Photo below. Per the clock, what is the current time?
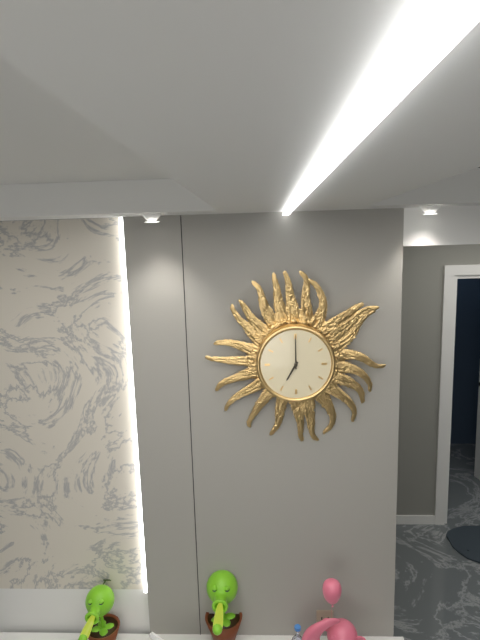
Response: 7:00
